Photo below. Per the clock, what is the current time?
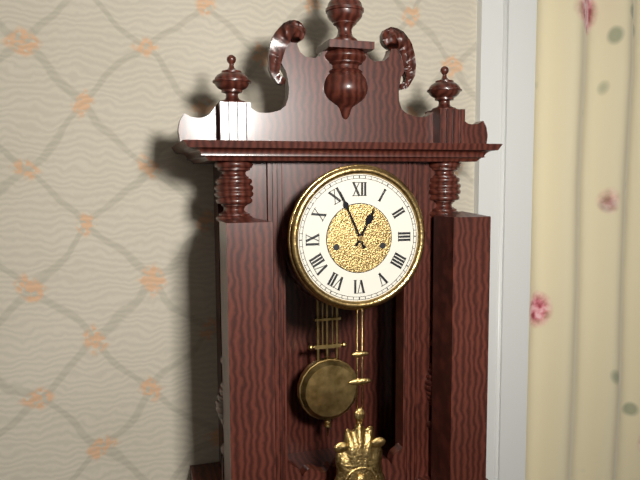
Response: 12:56
